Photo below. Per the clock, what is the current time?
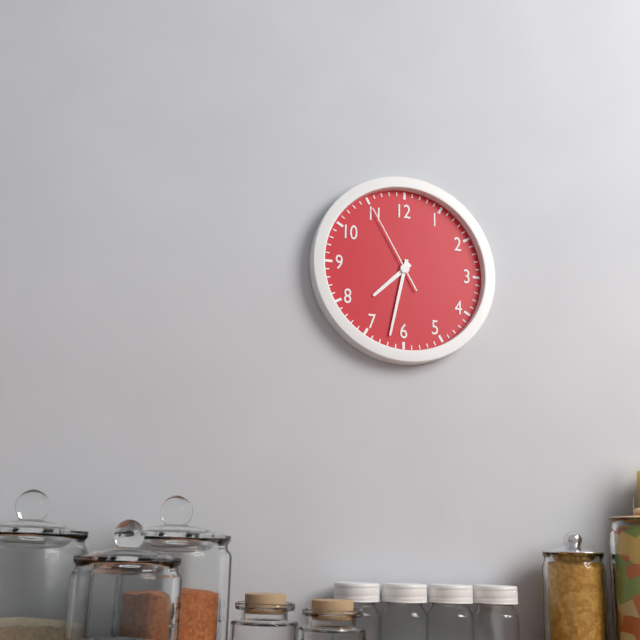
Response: 7:32:55
